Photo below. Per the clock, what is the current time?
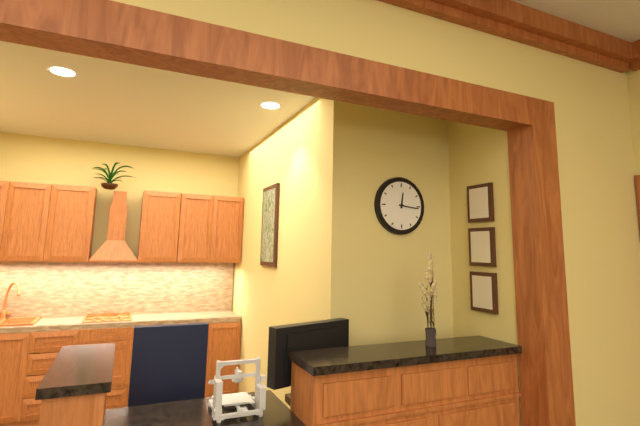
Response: 12:16
